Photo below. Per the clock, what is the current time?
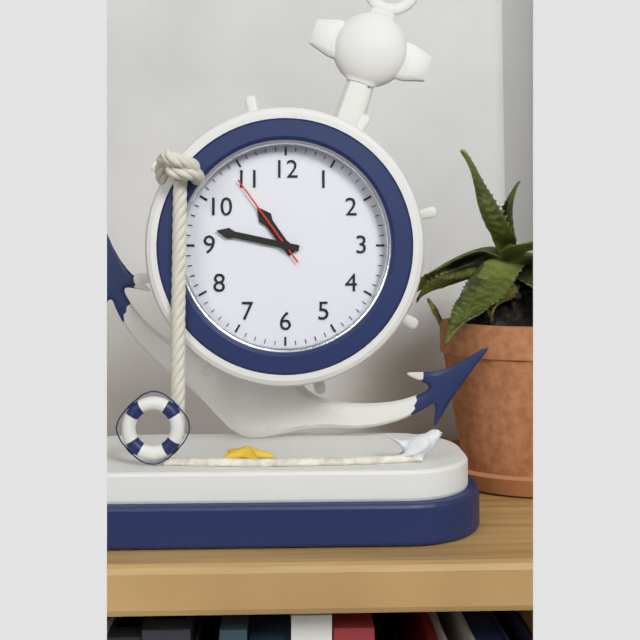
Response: 10:47:54
